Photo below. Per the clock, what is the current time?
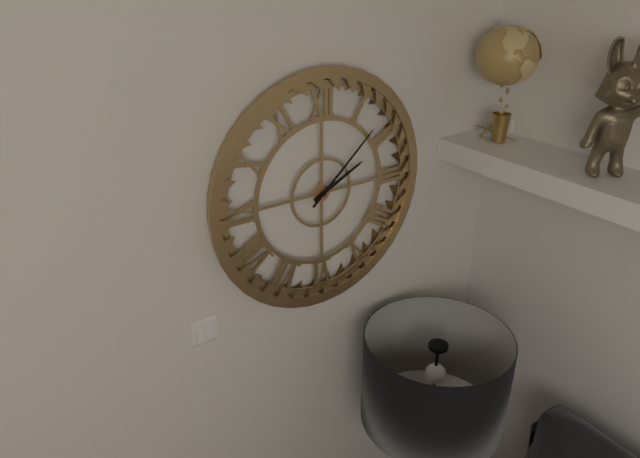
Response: 2:08
